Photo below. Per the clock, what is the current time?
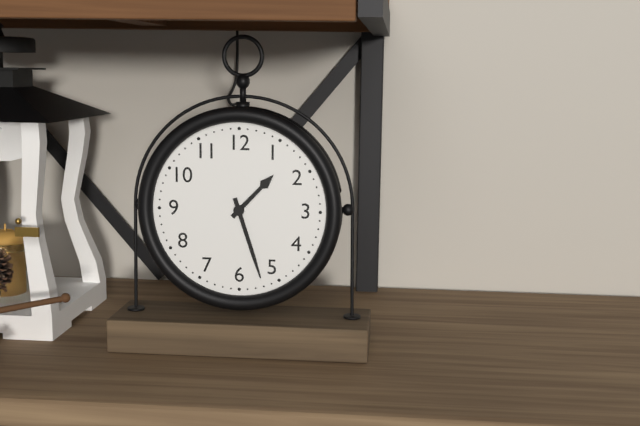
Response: 1:27
